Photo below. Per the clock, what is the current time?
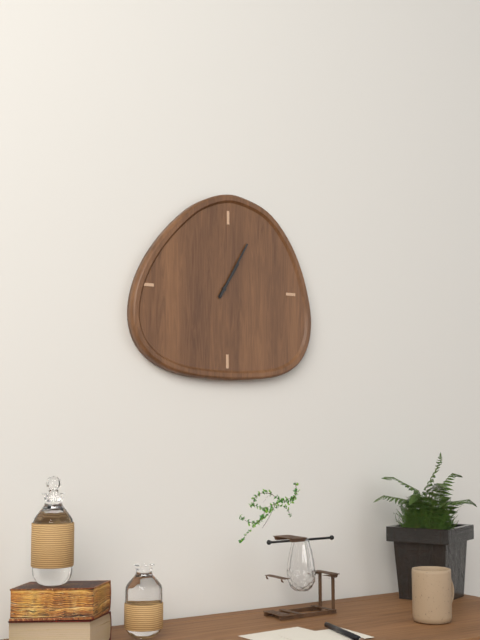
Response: 1:05
